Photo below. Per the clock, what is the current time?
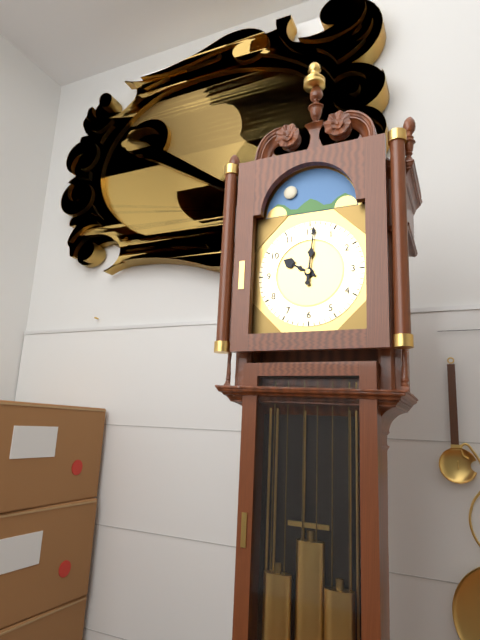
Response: 10:01
